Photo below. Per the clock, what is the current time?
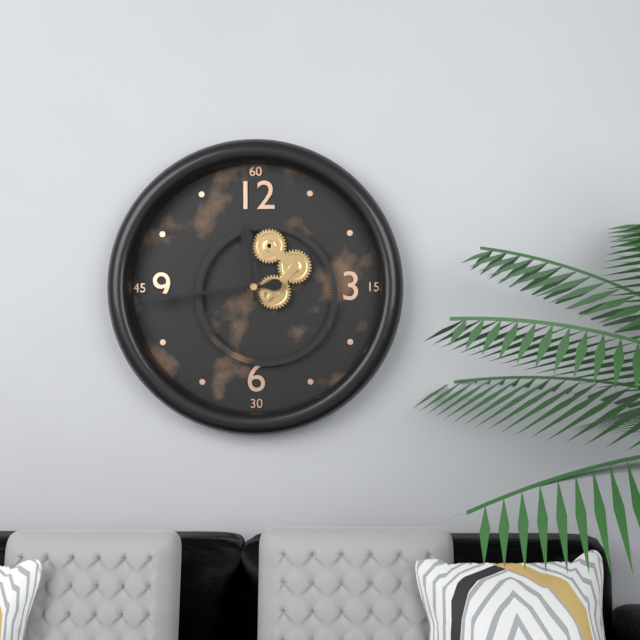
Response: 11:44
